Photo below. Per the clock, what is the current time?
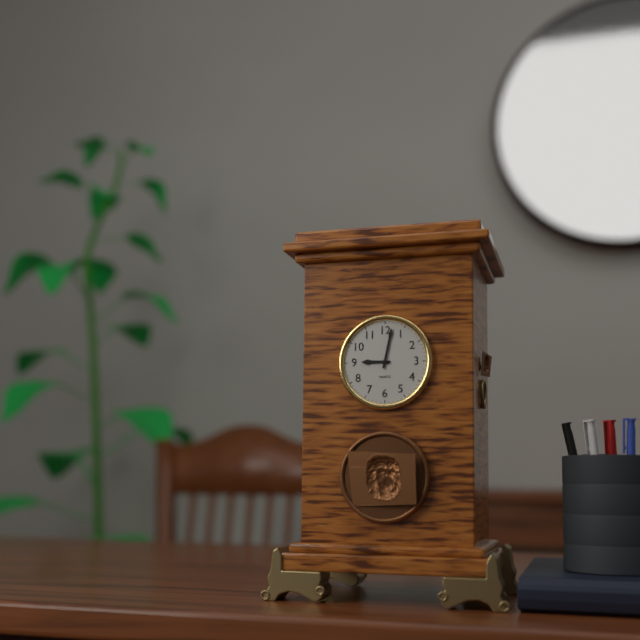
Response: 9:02
